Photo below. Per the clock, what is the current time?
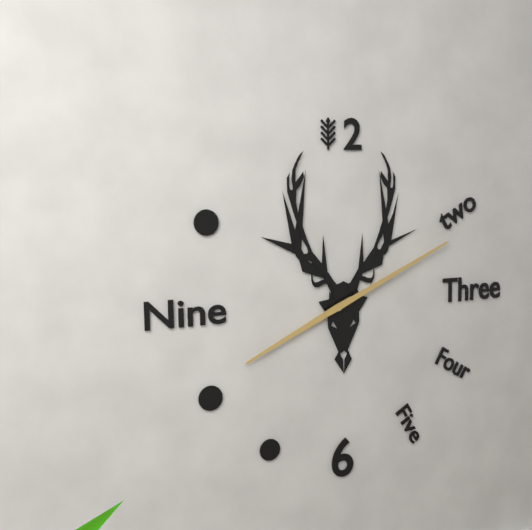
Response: 8:11
